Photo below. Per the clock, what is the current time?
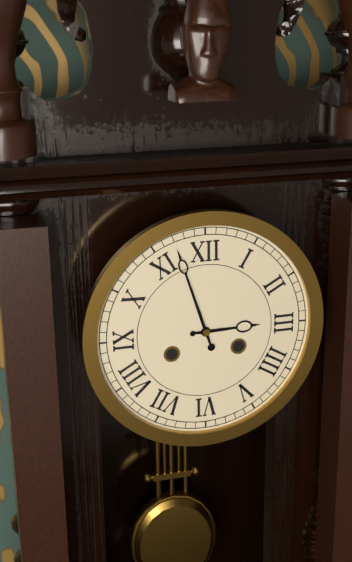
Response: 2:57
